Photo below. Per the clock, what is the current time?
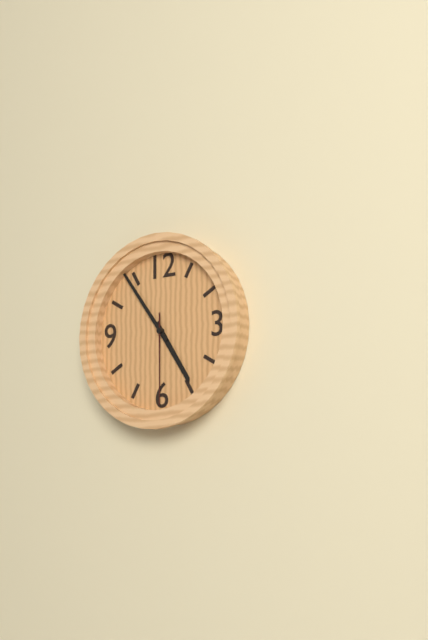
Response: 4:54:30
